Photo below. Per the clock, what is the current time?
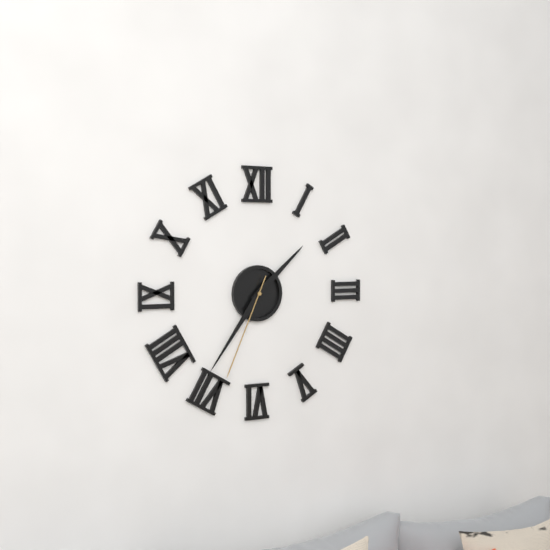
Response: 1:36:34
